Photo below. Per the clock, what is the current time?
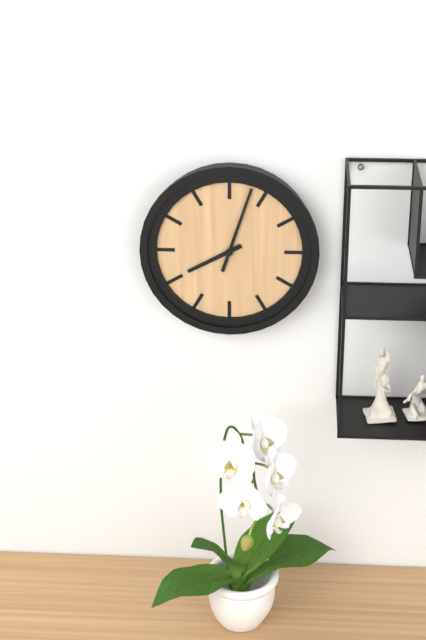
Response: 8:03
